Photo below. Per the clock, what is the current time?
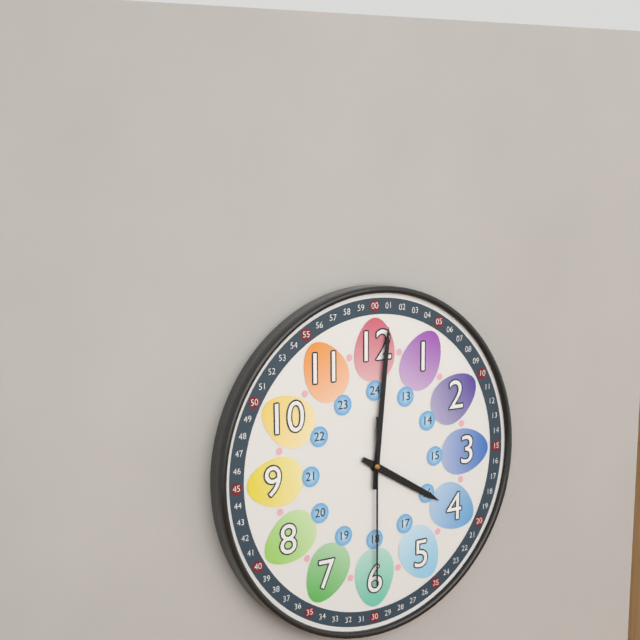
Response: 4:01:30
